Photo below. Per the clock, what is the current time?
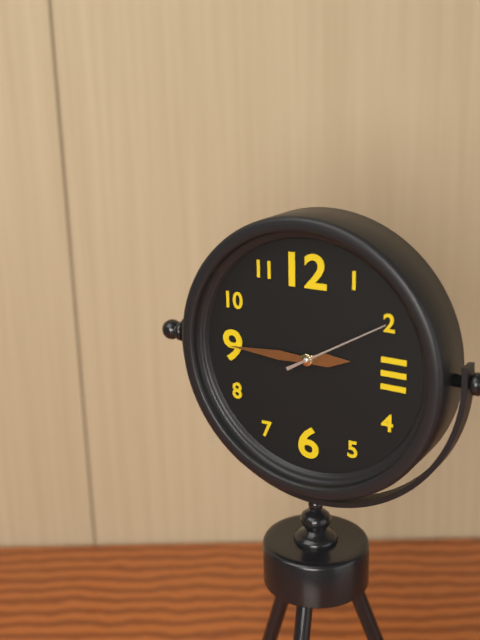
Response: 2:45:10
